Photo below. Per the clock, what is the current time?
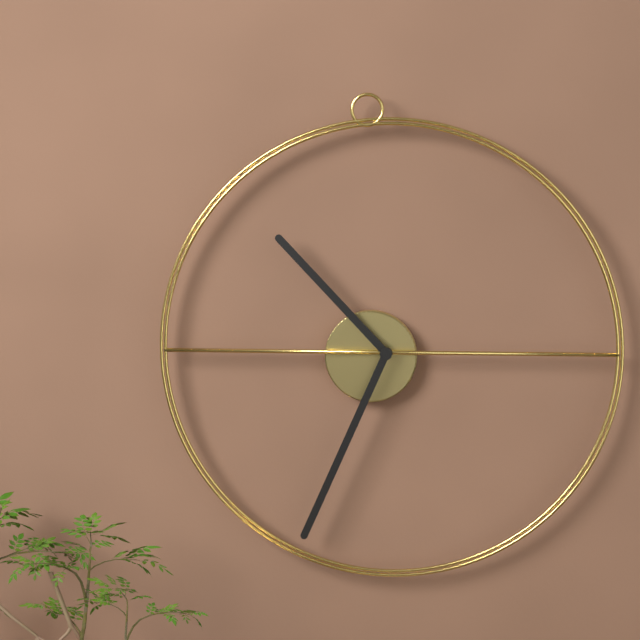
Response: 10:34
